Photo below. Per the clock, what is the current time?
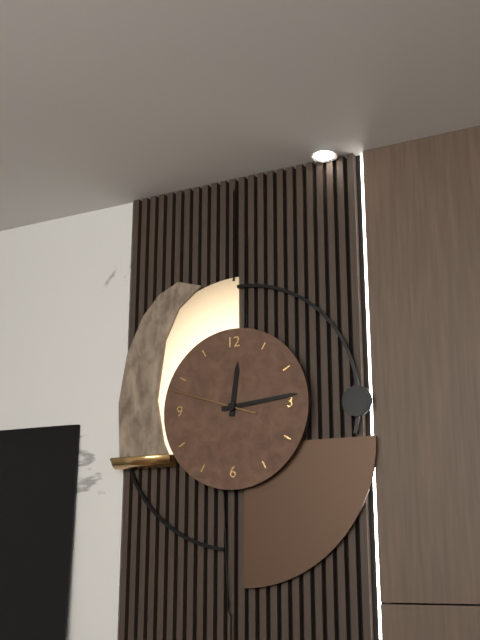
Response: 12:14:48
